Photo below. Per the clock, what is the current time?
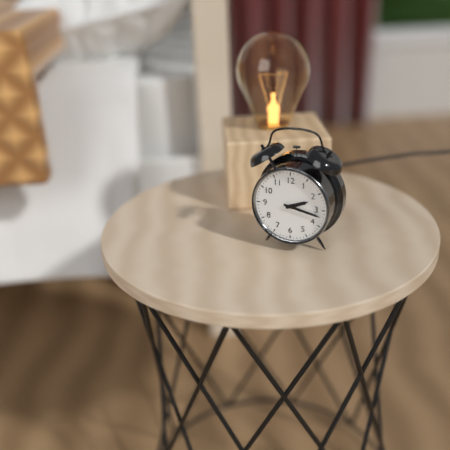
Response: 2:17
